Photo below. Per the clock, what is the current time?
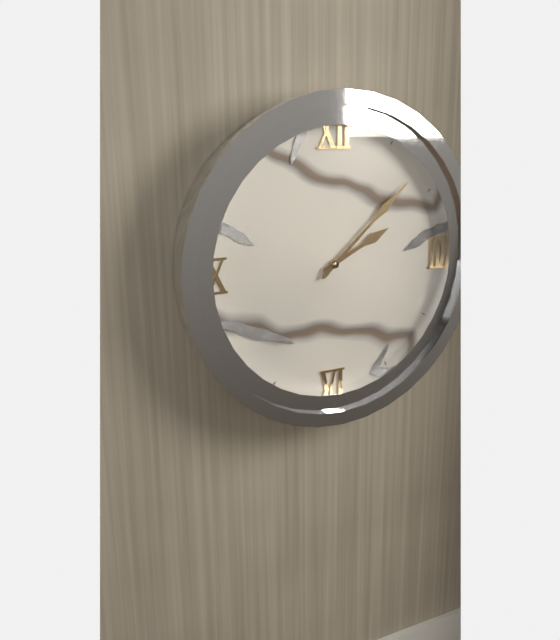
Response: 2:08
